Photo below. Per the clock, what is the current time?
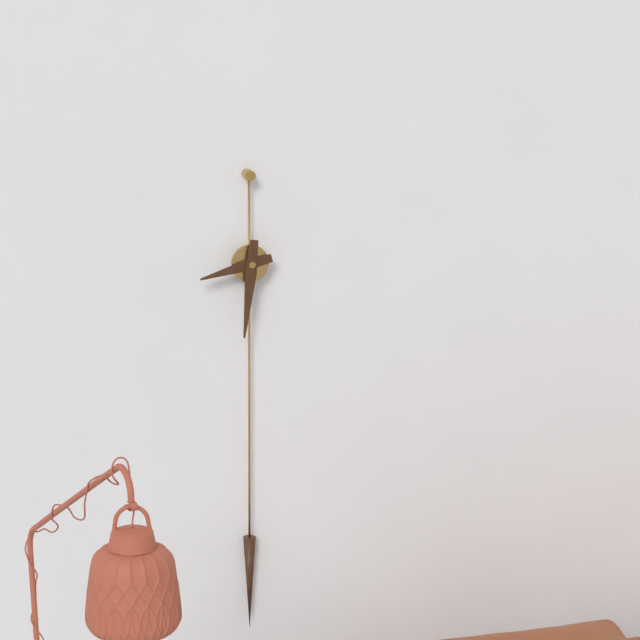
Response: 8:31
